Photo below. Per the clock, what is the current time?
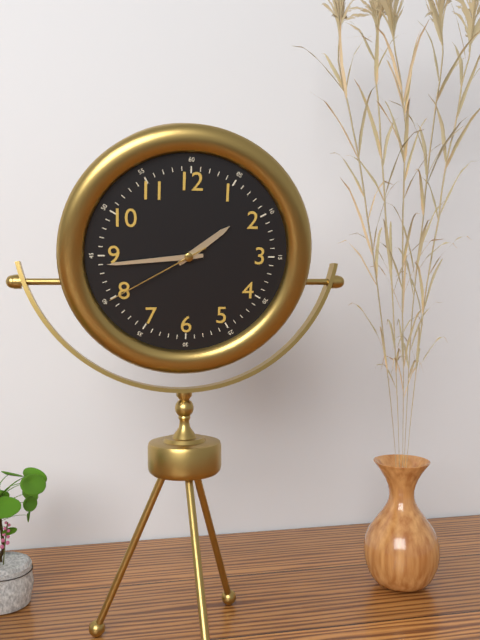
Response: 1:44:40
